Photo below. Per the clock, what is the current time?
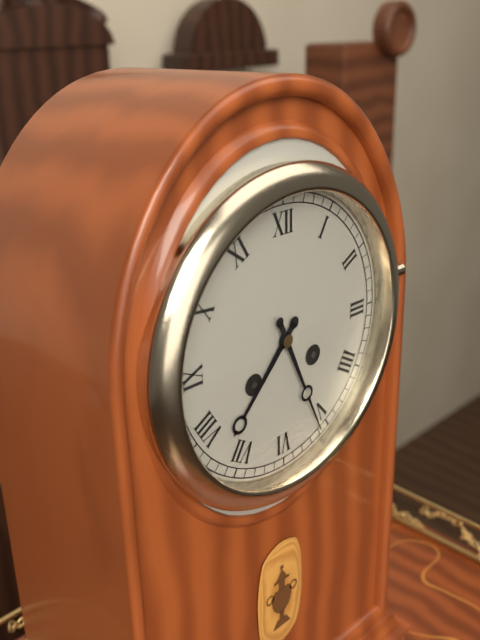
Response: 7:26
